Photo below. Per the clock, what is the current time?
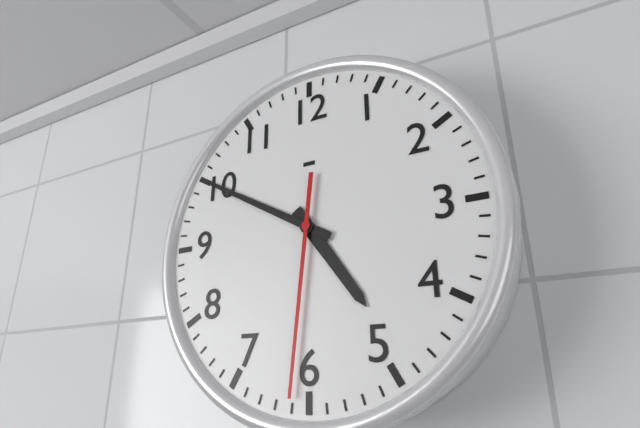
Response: 4:50:31
